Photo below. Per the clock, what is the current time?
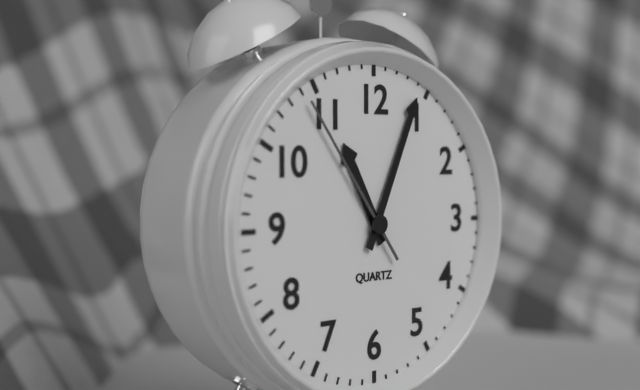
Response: 11:04:54
